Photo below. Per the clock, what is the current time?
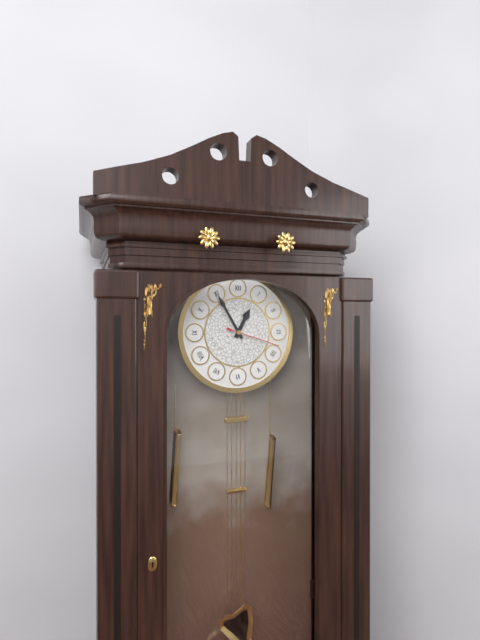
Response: 12:55:18
